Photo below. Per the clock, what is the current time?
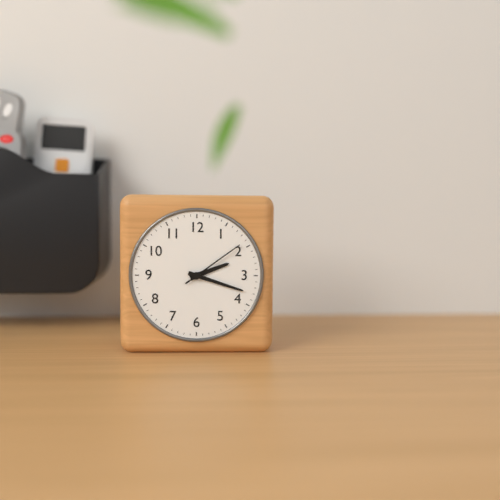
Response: 2:18:09
